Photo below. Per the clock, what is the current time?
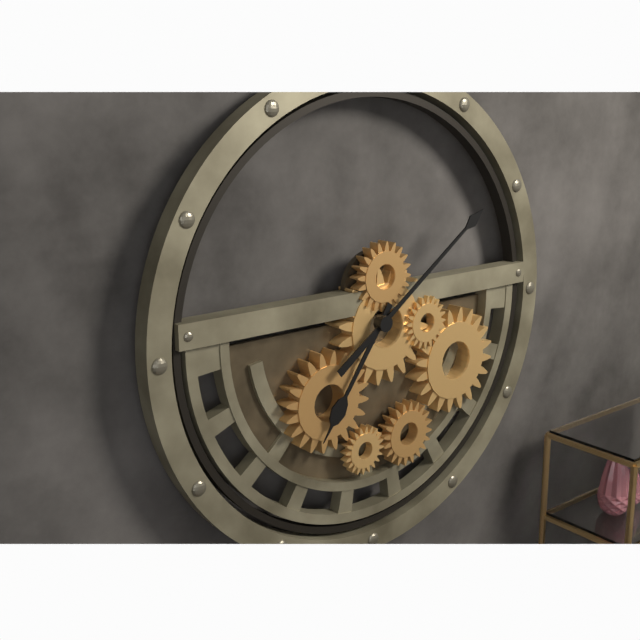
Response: 7:09
